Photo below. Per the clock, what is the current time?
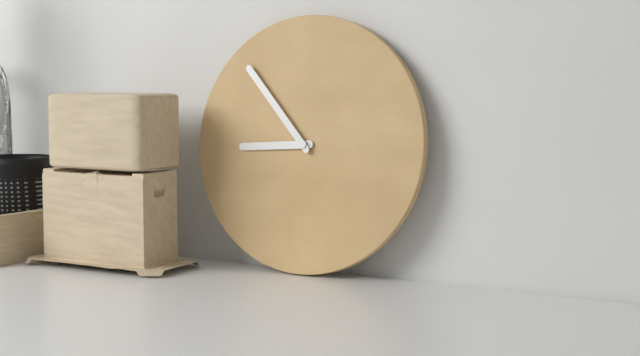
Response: 8:53
